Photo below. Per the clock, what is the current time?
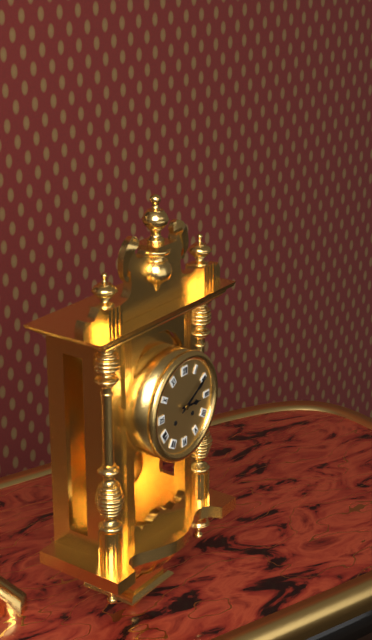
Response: 3:10
